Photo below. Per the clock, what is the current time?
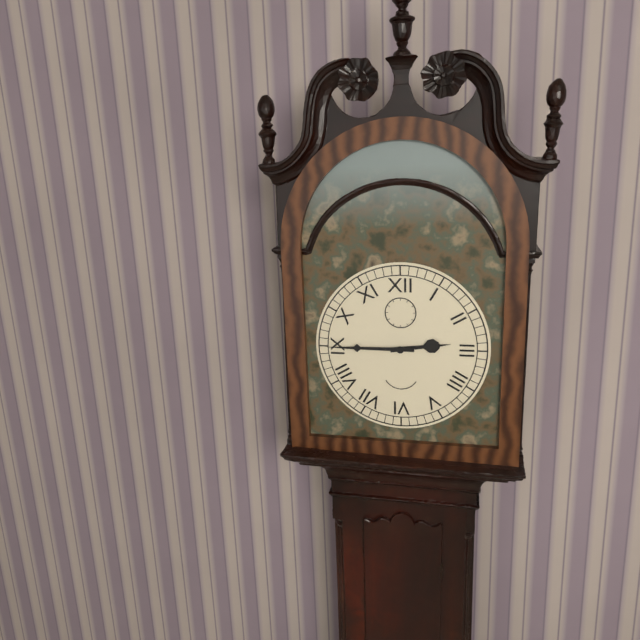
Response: 2:45
